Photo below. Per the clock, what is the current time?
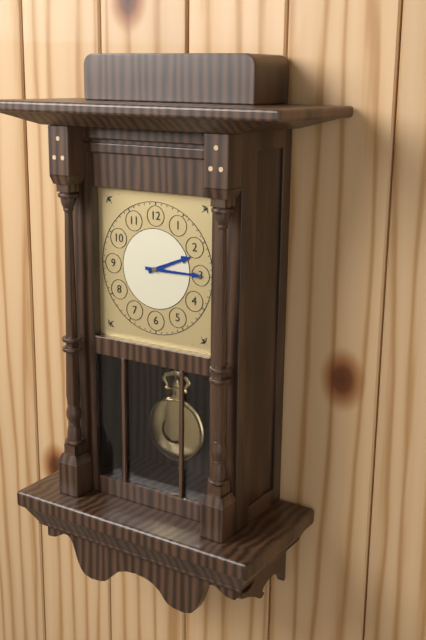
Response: 2:15
